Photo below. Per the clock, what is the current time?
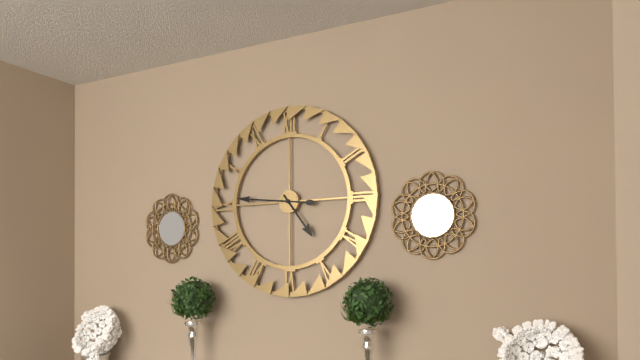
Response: 4:46
